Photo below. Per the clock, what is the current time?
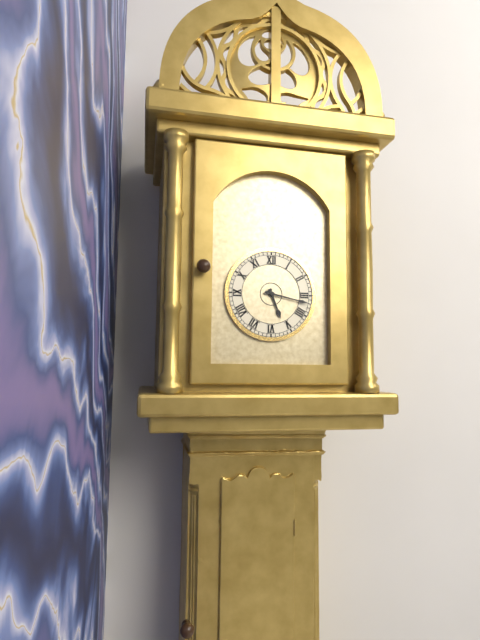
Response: 5:17
